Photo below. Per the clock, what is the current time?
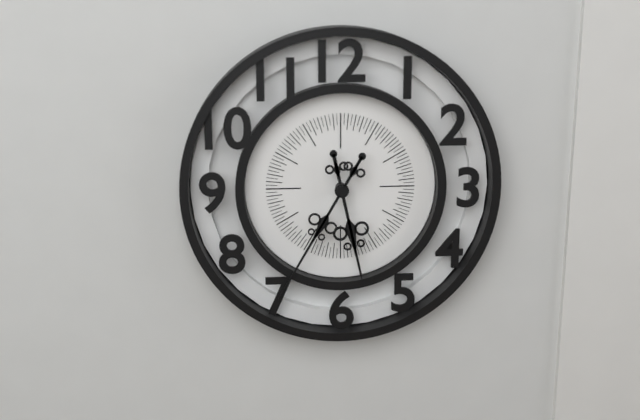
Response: 5:35
